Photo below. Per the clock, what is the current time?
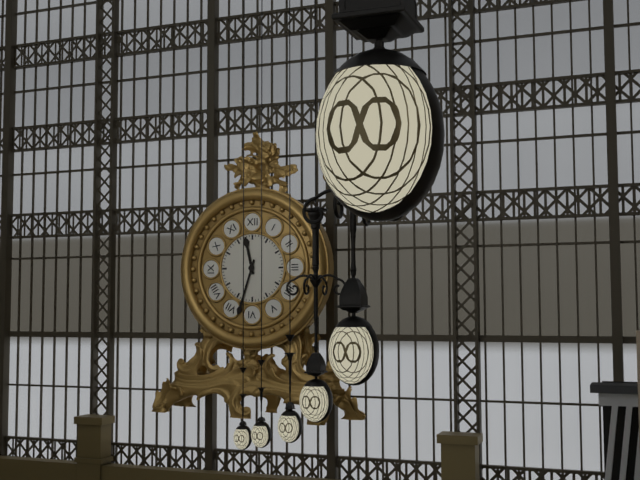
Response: 11:33
